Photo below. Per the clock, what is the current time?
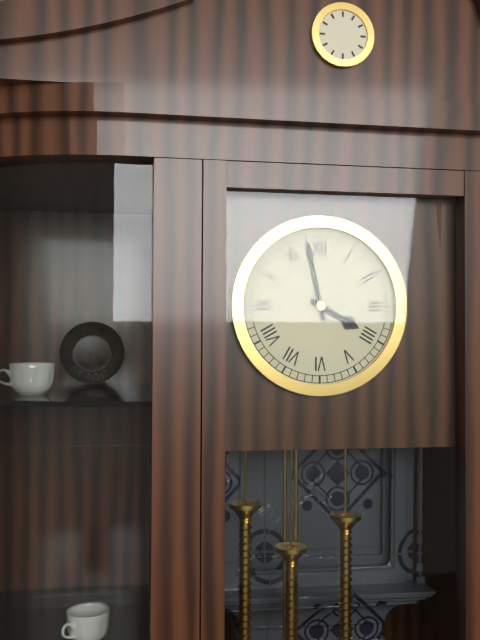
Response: 3:58
